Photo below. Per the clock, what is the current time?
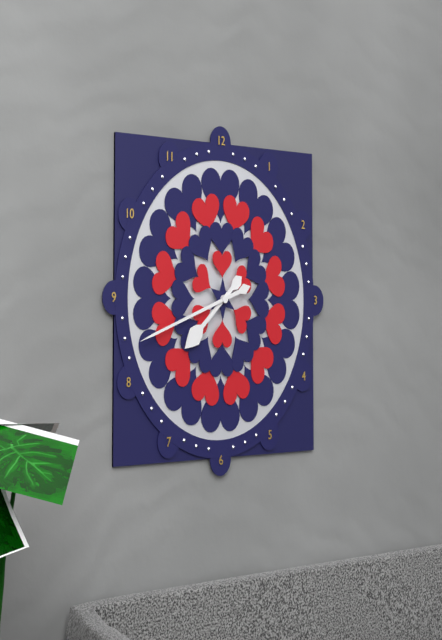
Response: 7:42
